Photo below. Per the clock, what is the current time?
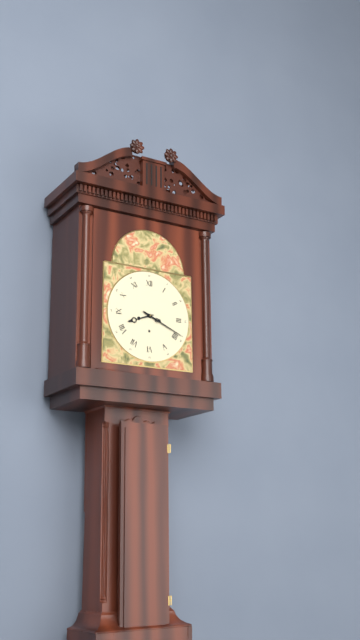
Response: 8:19
